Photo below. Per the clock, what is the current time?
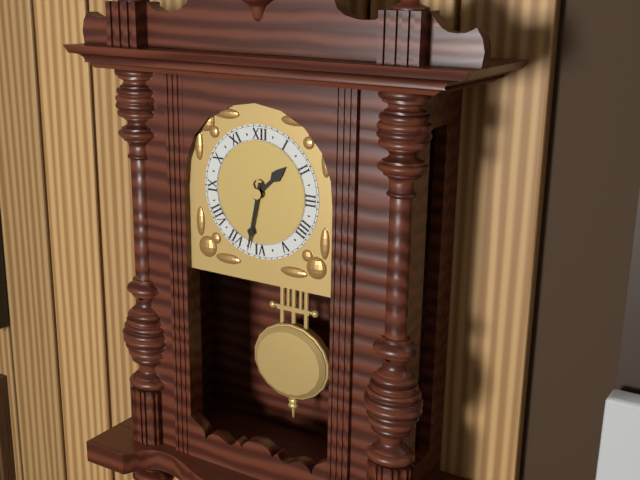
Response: 1:32
